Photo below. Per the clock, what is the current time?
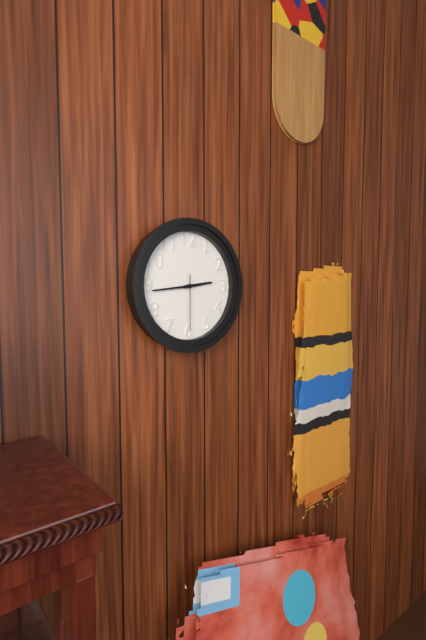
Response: 2:44:30
